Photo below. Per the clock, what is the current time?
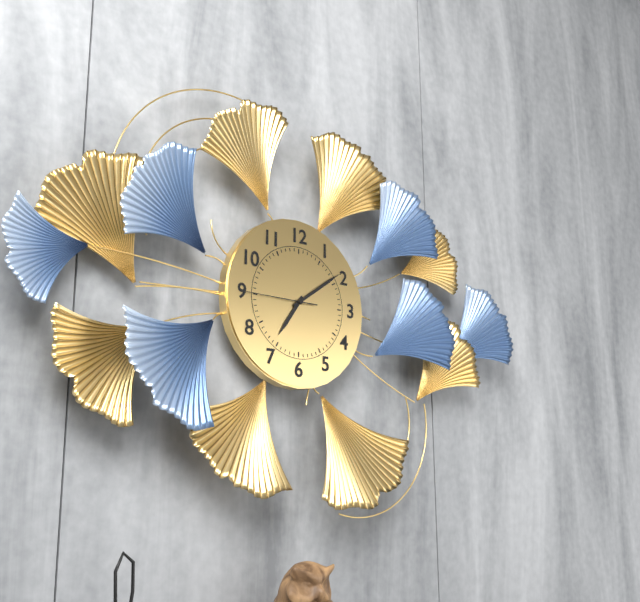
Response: 7:09:45
